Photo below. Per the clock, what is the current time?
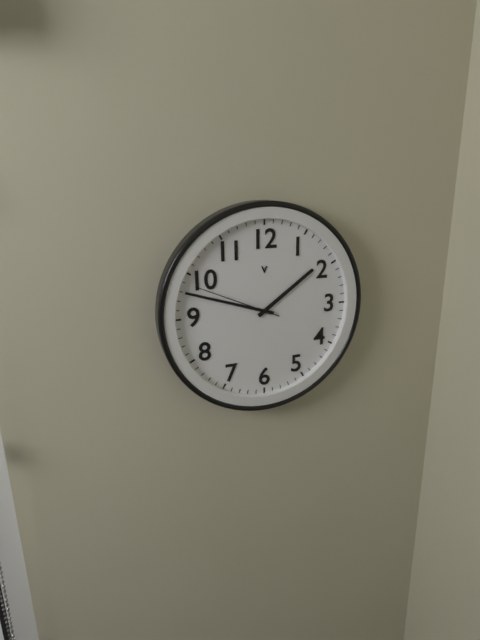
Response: 1:48:49
